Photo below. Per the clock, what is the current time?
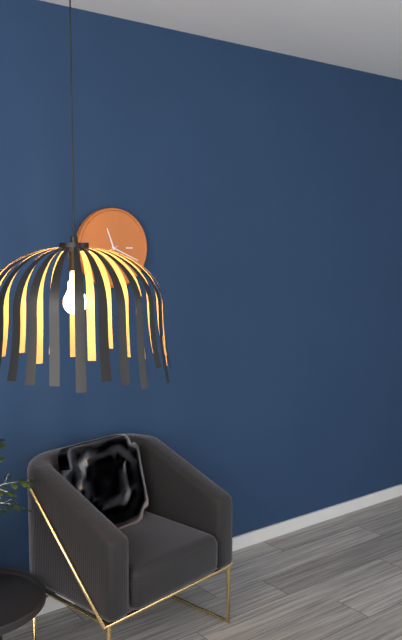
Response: 11:19
